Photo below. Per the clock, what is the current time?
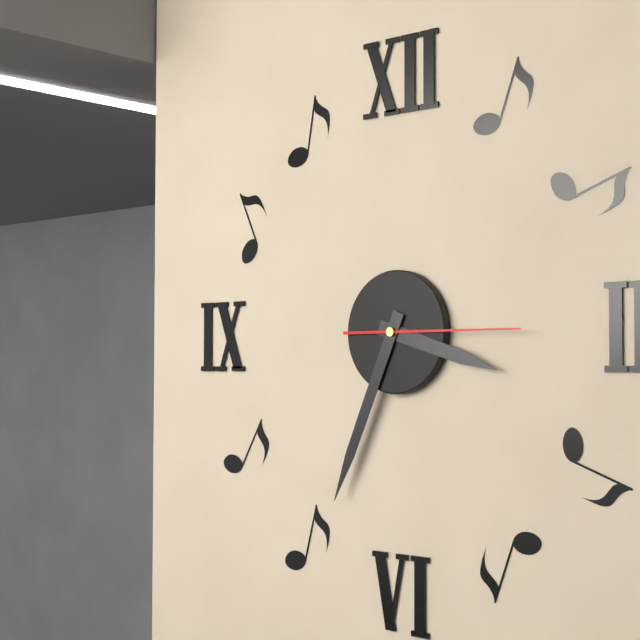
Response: 3:34:15
